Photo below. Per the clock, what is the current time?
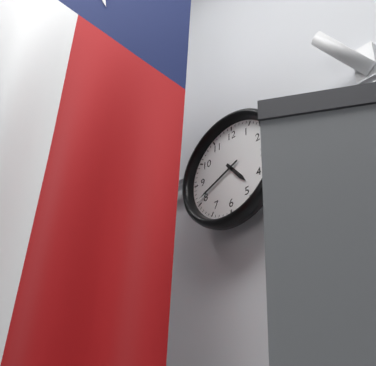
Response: 4:41
